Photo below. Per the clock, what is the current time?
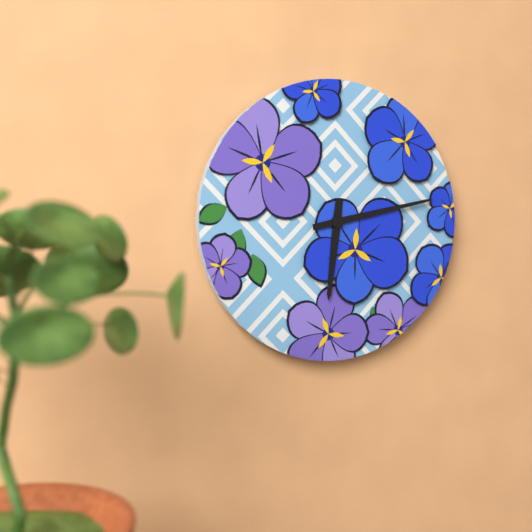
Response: 6:13
